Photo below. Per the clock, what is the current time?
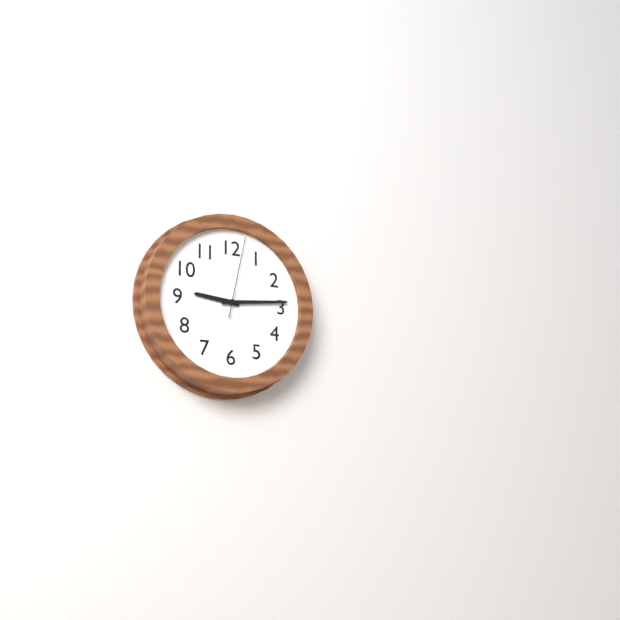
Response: 9:14:02
